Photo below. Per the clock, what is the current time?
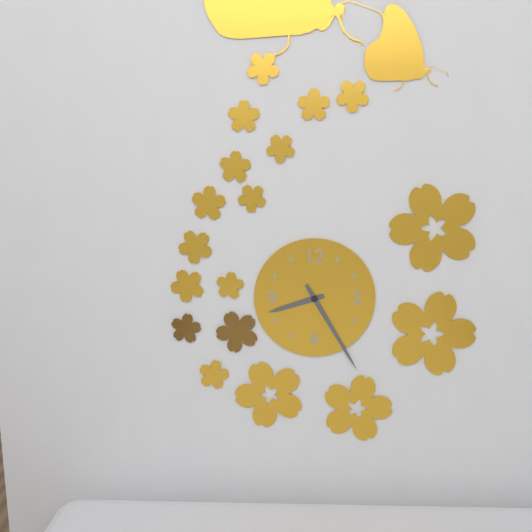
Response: 8:25
